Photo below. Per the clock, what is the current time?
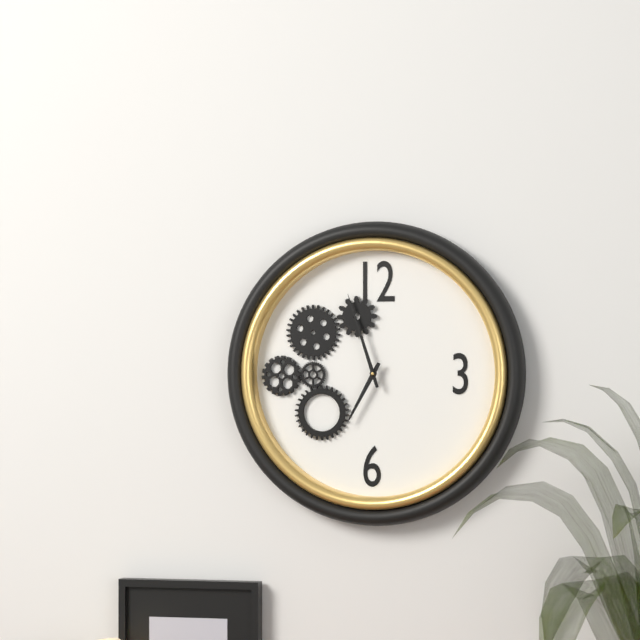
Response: 6:57
